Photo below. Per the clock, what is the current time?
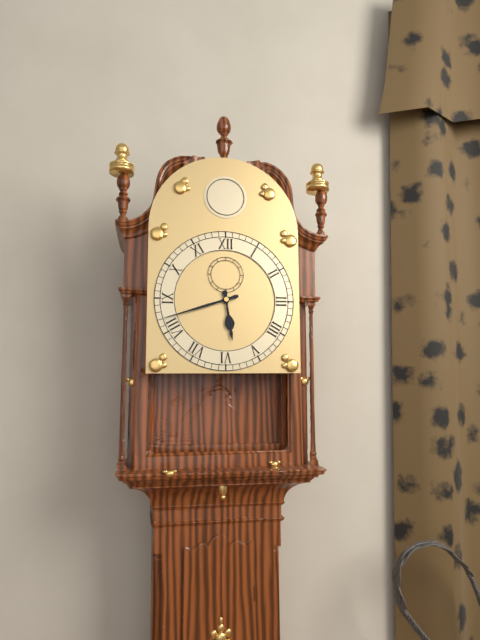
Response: 5:42
